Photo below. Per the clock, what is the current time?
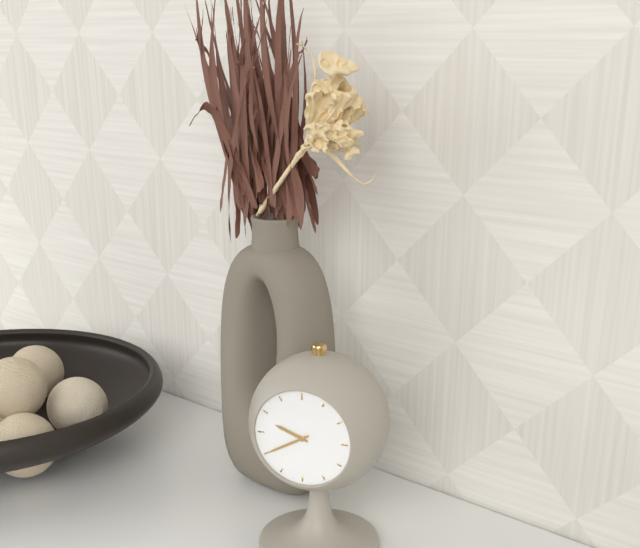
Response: 9:40
